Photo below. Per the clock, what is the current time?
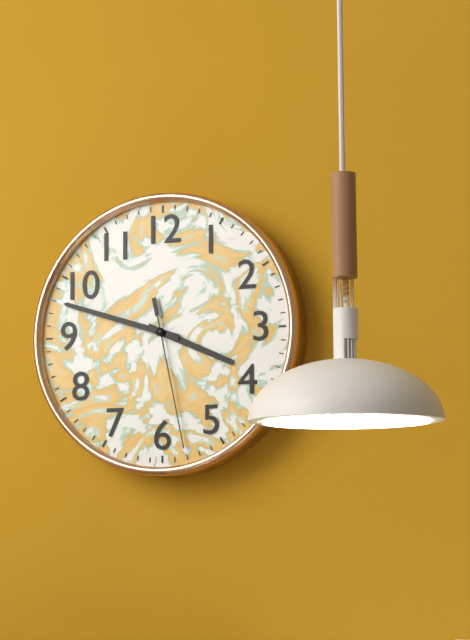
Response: 3:48:28
